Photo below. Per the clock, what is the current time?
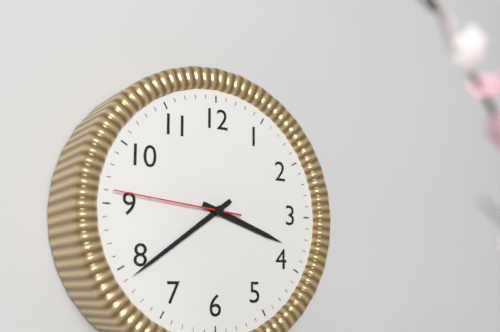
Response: 3:39:46
